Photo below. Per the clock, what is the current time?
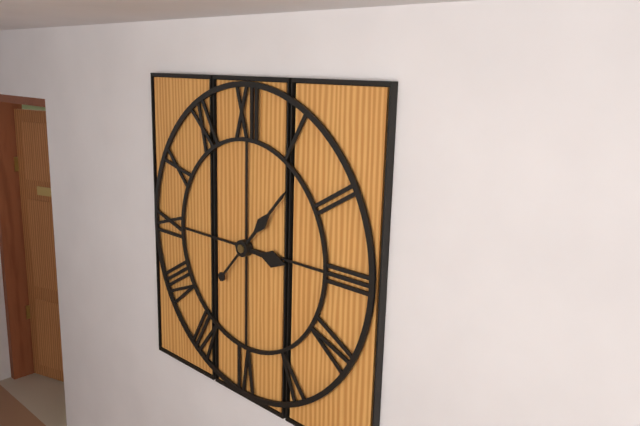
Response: 3:07
